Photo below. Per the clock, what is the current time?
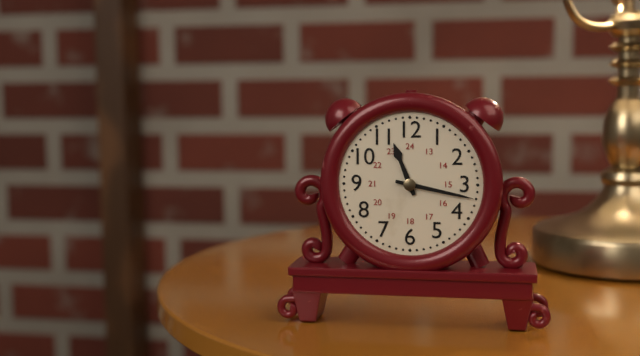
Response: 11:17
